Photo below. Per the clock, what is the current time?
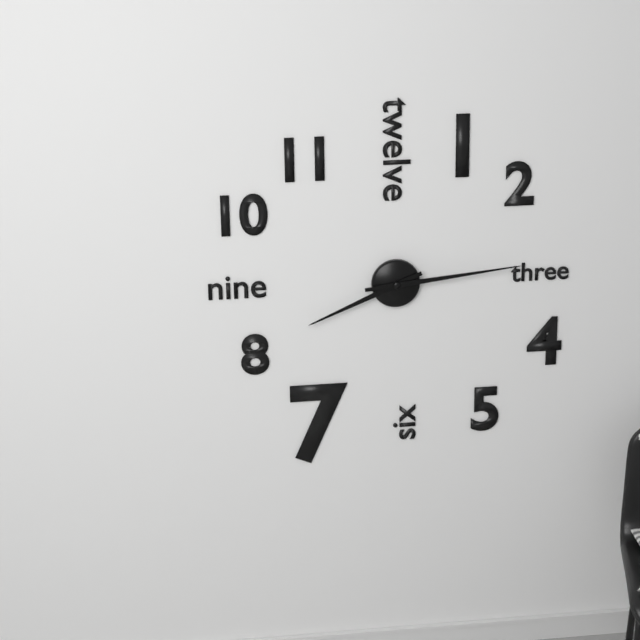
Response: 8:14
